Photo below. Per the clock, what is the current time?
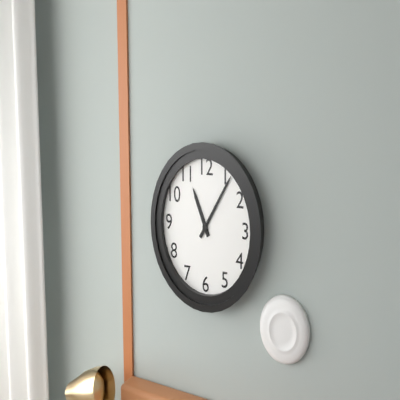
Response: 11:06
